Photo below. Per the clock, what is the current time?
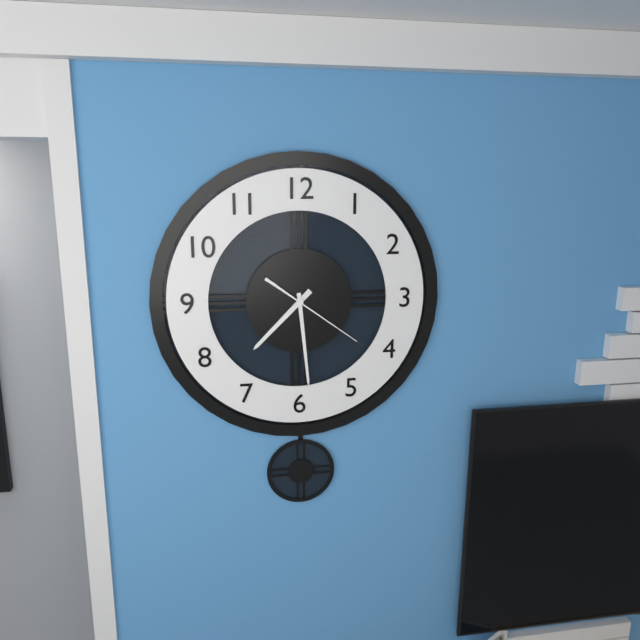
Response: 7:29:21
